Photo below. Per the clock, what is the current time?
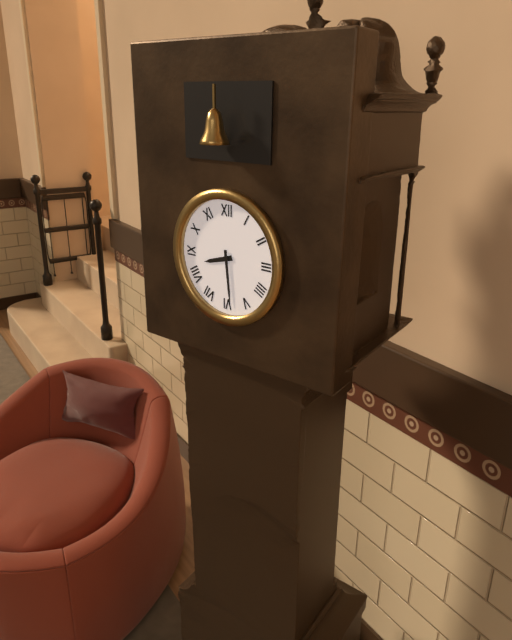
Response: 8:29
